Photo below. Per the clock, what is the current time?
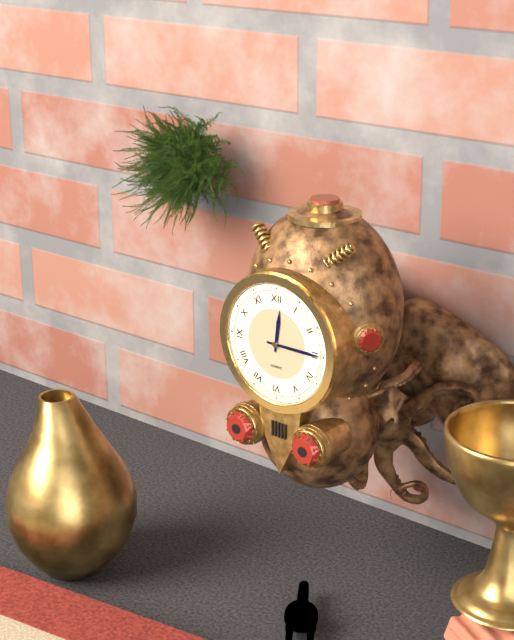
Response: 12:15
